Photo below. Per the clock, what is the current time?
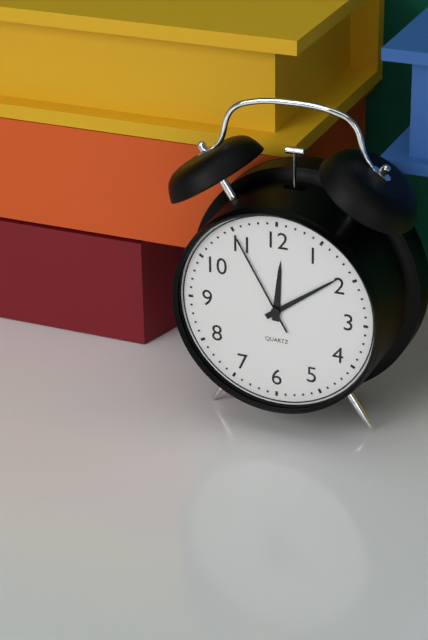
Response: 12:09:55
